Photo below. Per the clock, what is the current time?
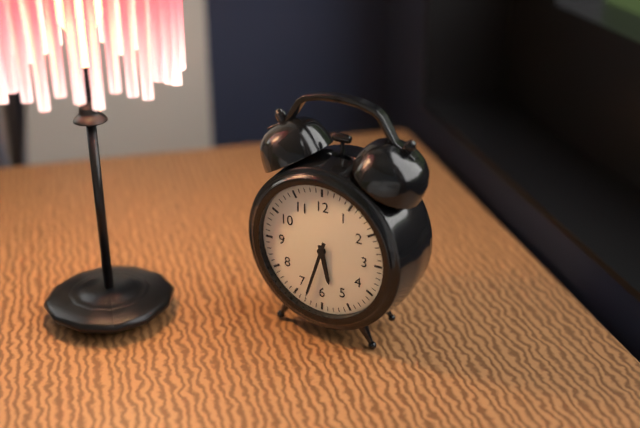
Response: 5:33
